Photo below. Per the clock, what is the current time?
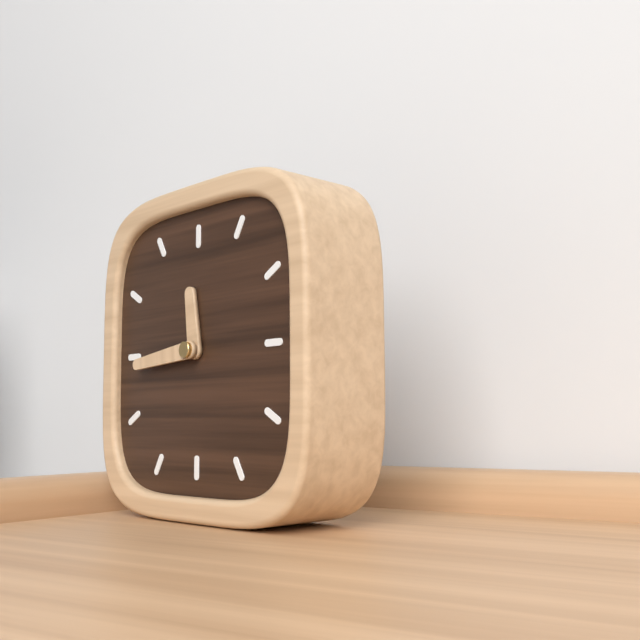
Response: 11:44
